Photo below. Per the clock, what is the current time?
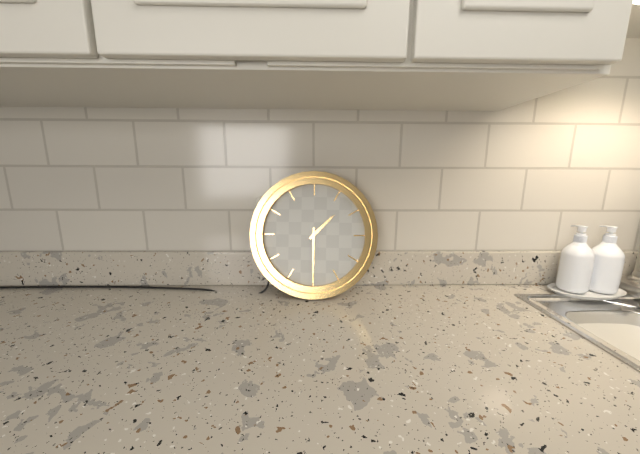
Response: 1:30
